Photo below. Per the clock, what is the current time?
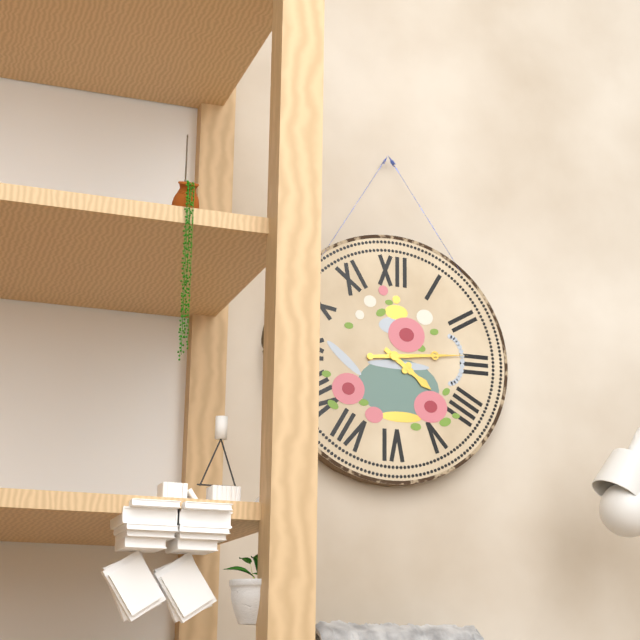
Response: 4:14
